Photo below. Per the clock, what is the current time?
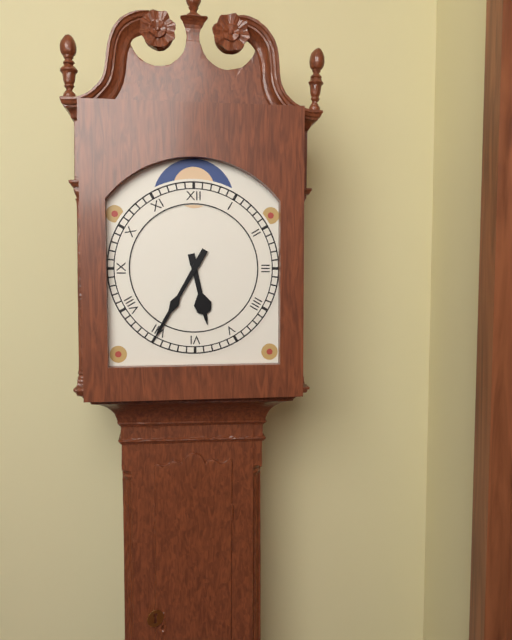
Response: 5:35
